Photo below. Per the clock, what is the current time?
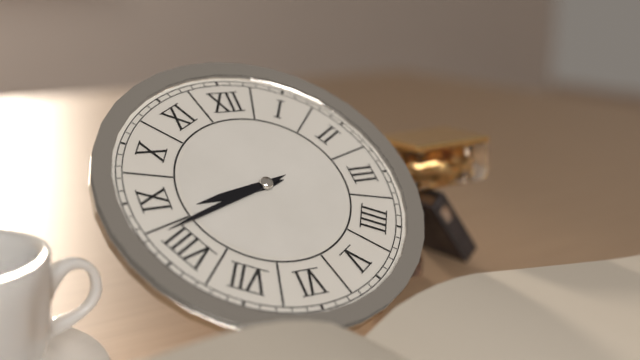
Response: 8:42
